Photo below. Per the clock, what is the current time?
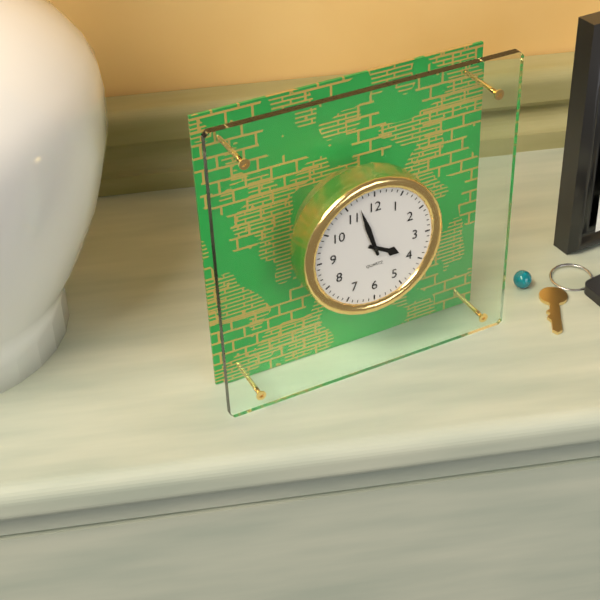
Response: 3:57
